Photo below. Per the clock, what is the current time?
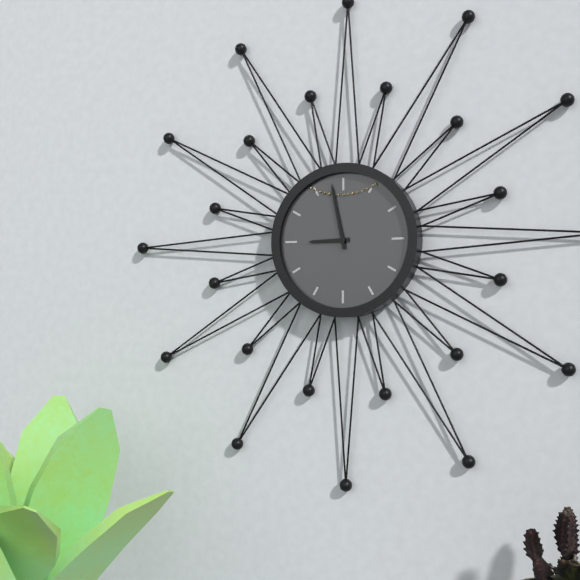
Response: 8:58
